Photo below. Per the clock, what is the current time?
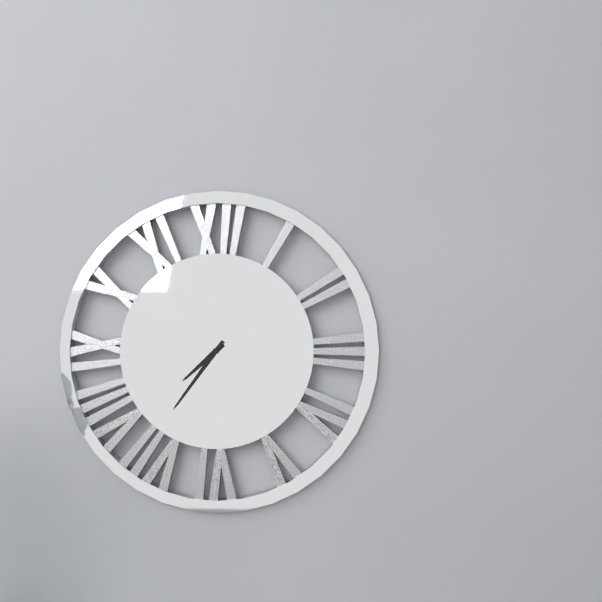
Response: 7:36
